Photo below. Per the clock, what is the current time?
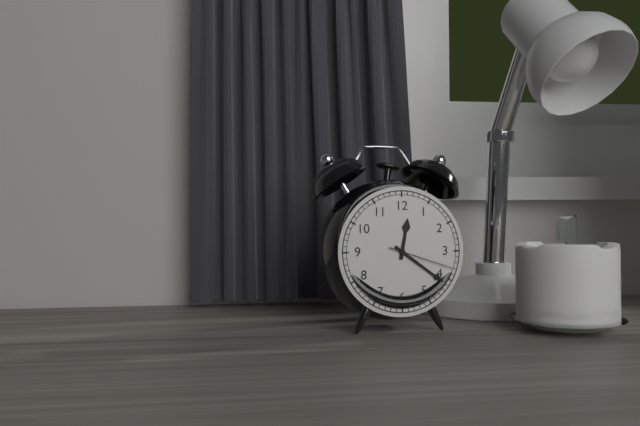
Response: 12:21:18
